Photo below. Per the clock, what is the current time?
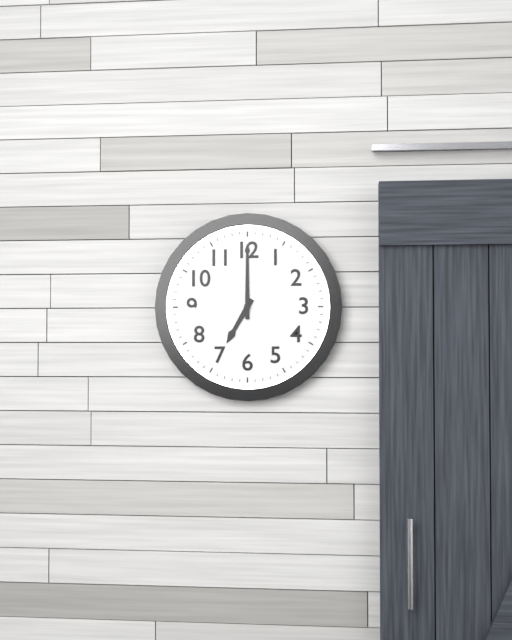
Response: 7:00
